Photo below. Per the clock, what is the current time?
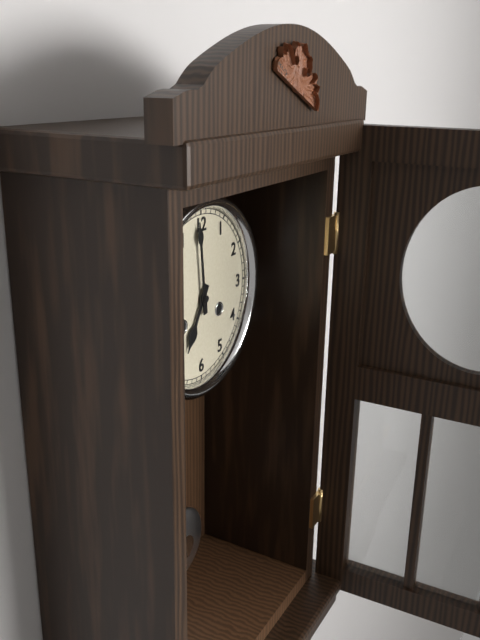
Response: 6:59
